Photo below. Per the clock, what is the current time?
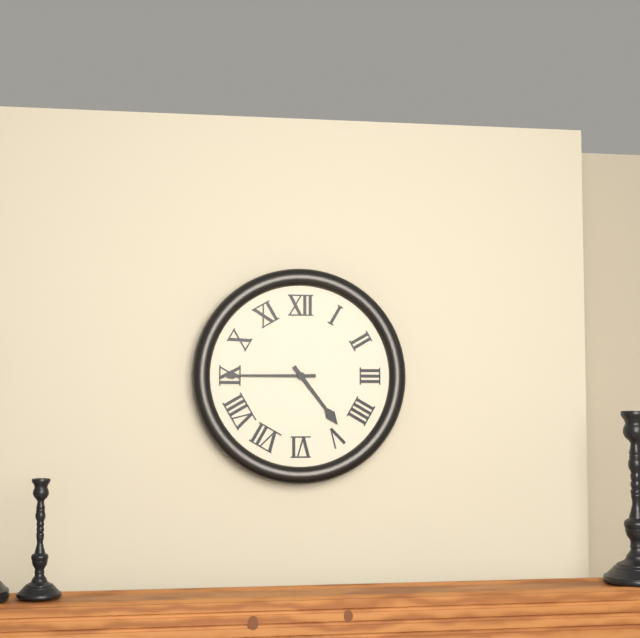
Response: 4:45
